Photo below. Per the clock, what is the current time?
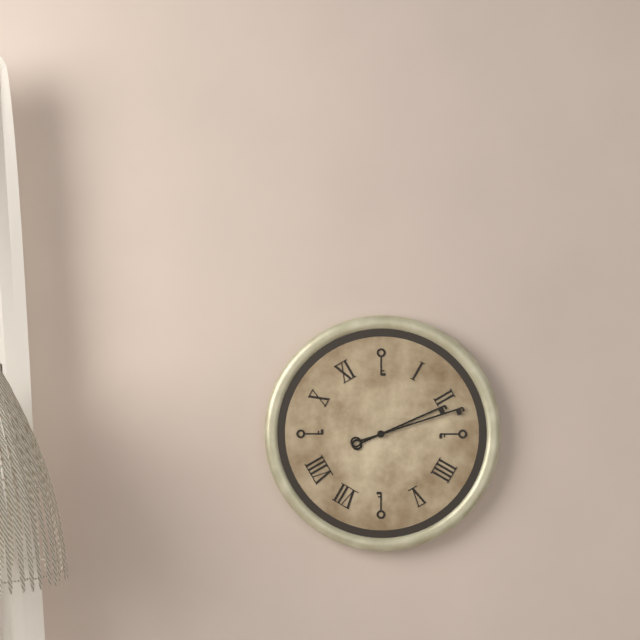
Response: 2:12
